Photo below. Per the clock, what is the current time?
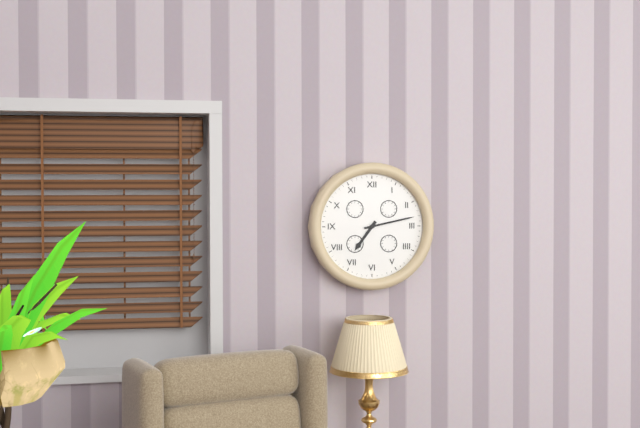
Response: 7:13
